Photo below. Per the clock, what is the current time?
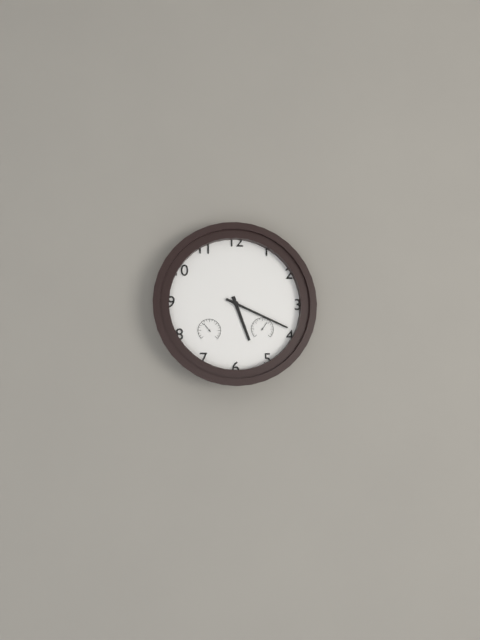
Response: 5:19
